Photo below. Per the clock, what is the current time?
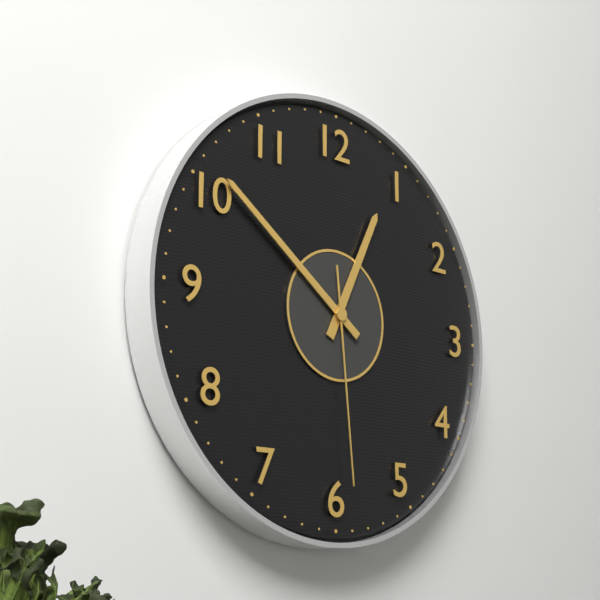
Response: 12:51:29
